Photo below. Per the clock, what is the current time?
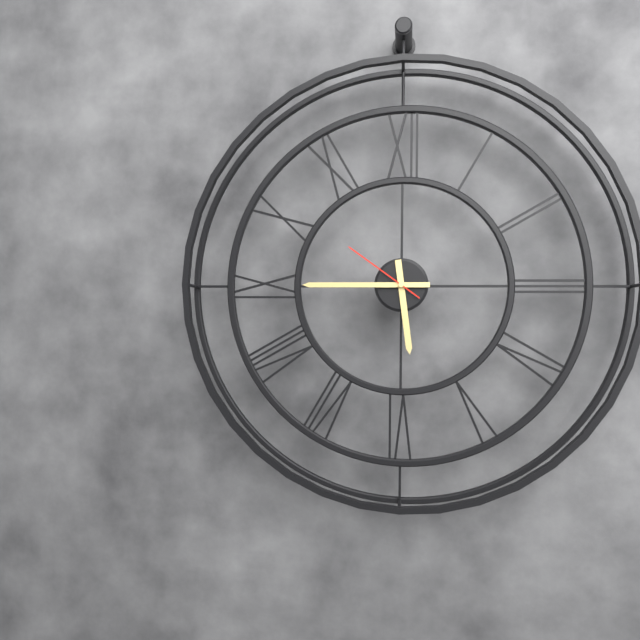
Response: 5:45:51
